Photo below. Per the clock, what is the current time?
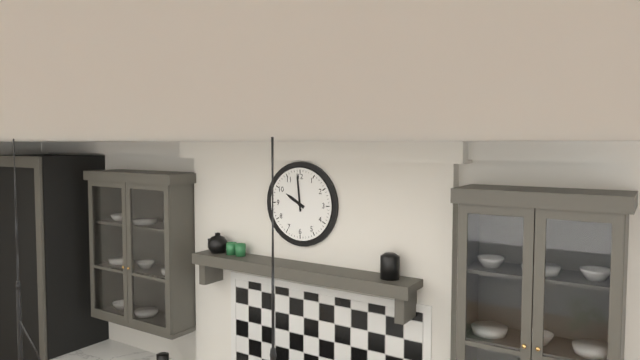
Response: 9:59
